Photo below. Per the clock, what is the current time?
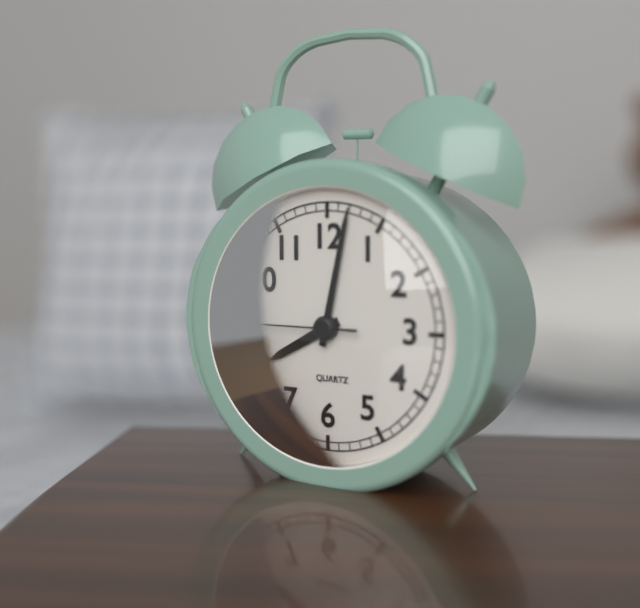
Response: 8:02:45
